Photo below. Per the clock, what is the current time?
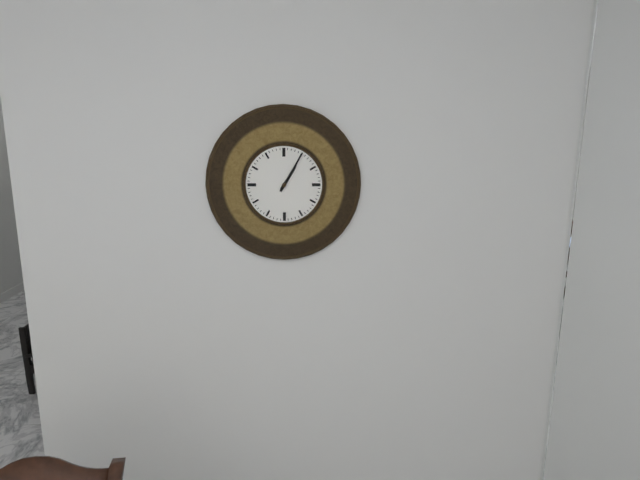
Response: 1:05
